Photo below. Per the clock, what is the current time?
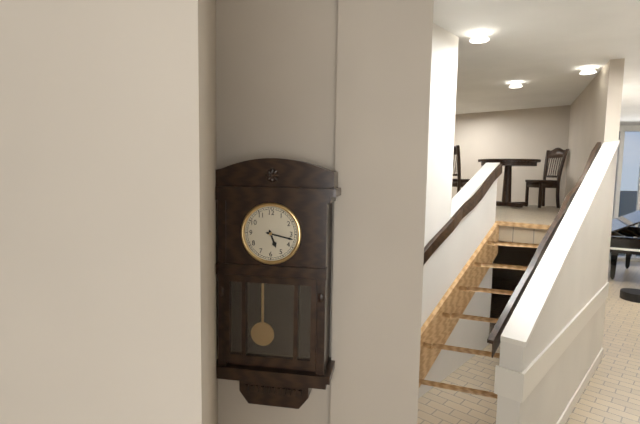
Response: 5:17
